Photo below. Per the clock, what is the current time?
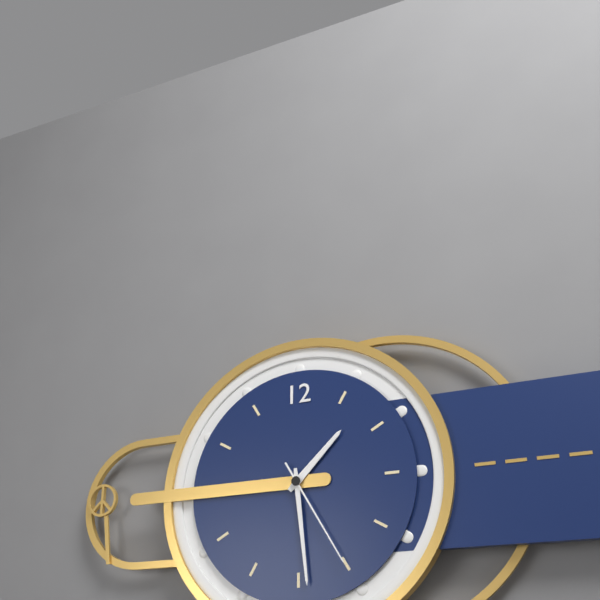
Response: 1:29:25
